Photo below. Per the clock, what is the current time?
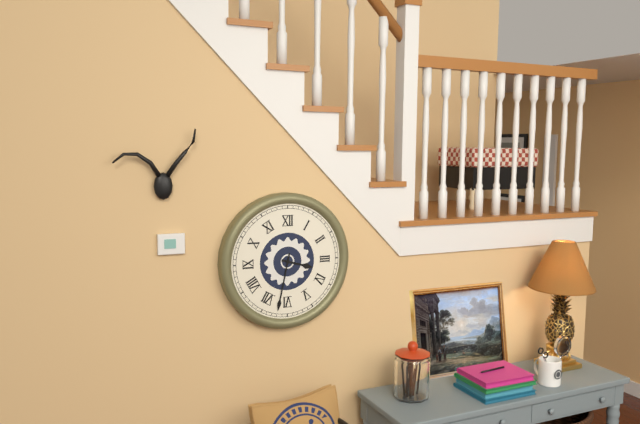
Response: 3:32
